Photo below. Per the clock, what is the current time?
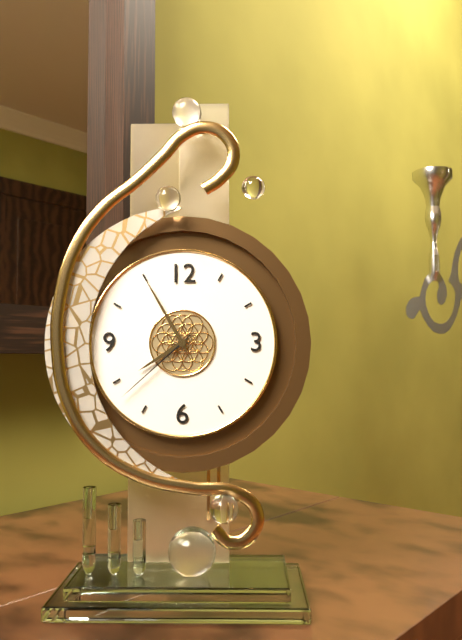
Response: 7:55:38
